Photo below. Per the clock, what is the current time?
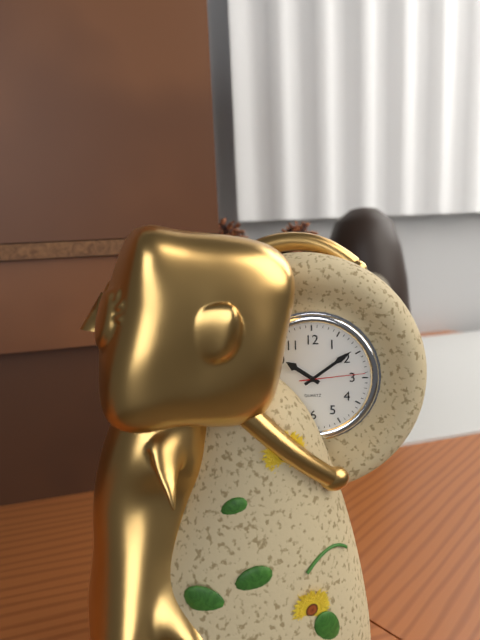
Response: 10:09:14
